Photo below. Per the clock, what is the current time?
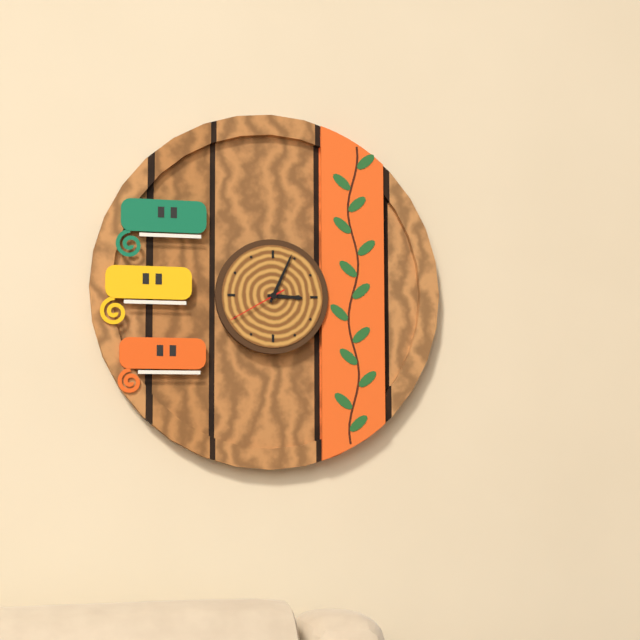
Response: 3:04:40
